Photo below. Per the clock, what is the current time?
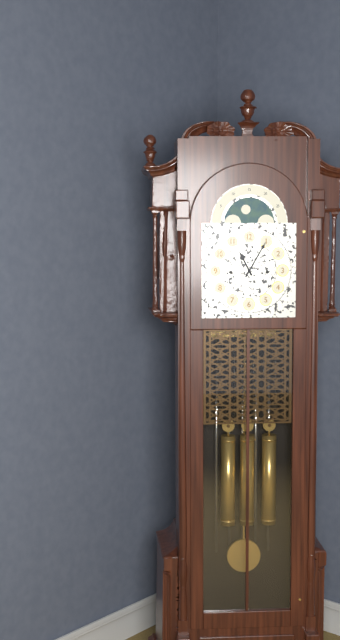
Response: 11:05
